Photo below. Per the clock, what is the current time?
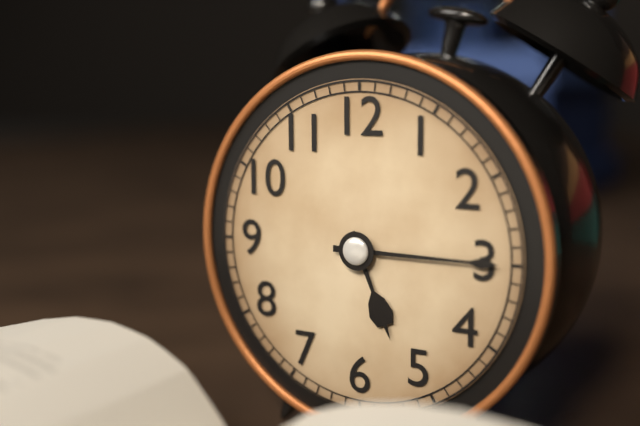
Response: 5:15
